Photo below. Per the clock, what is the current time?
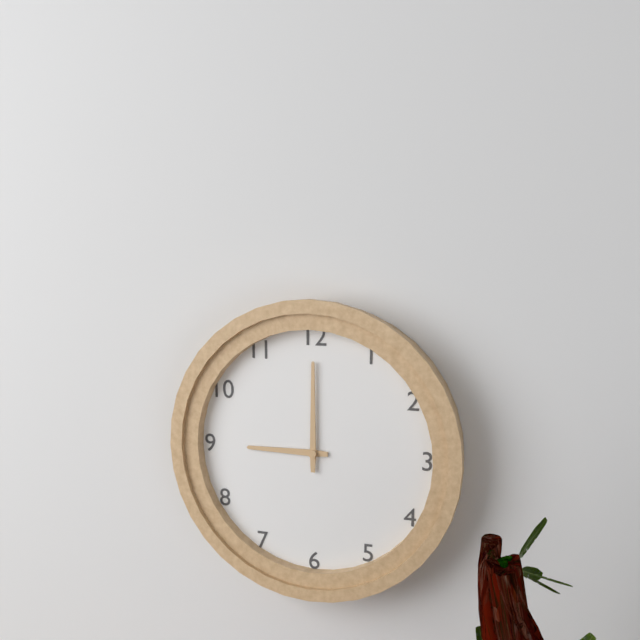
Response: 9:00
